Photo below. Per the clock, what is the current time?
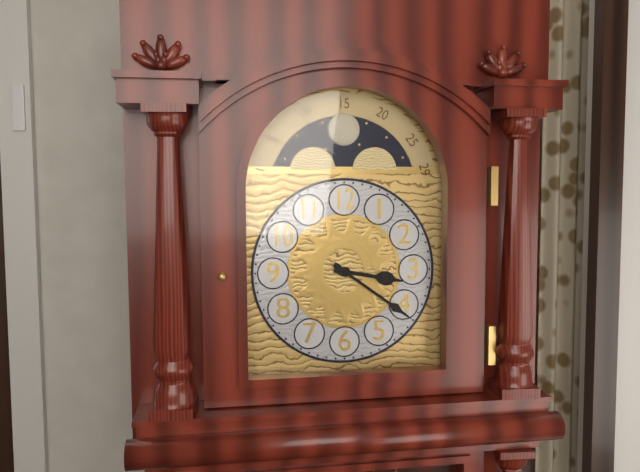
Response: 3:21
